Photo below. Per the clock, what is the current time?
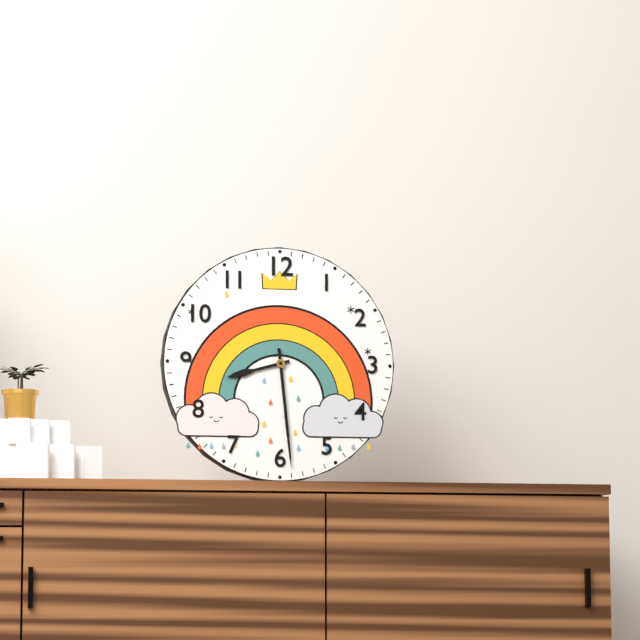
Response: 8:29
